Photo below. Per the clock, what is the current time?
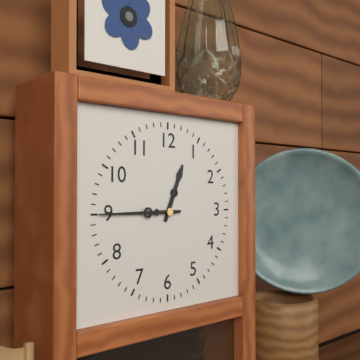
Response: 12:45
